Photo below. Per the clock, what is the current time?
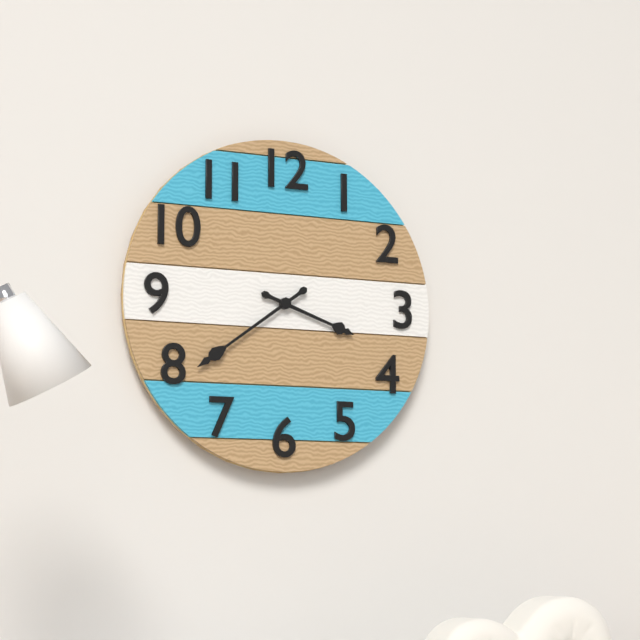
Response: 3:39
